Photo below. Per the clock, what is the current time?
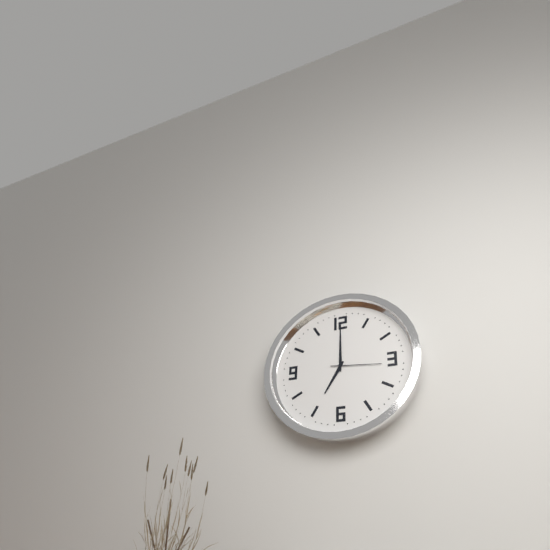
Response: 7:00:16
